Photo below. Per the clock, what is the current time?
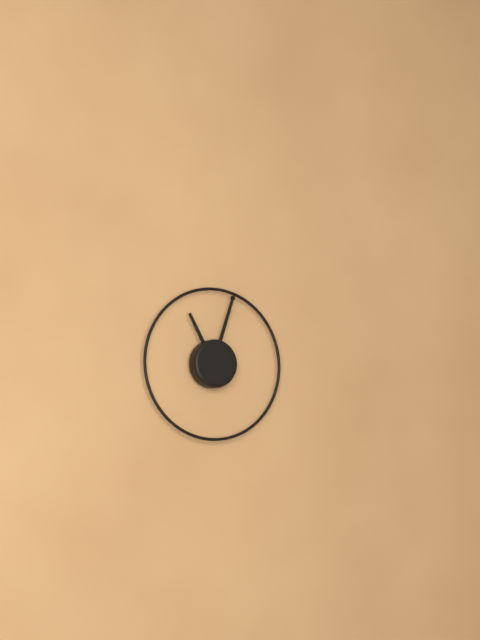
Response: 11:03
